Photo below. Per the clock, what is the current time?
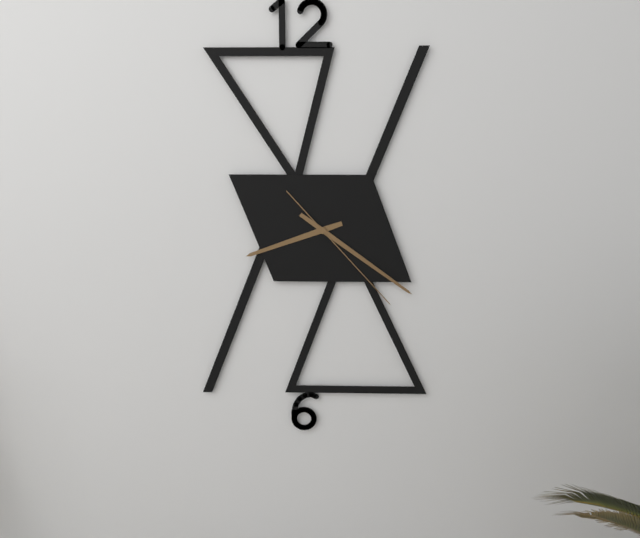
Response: 8:21:23
